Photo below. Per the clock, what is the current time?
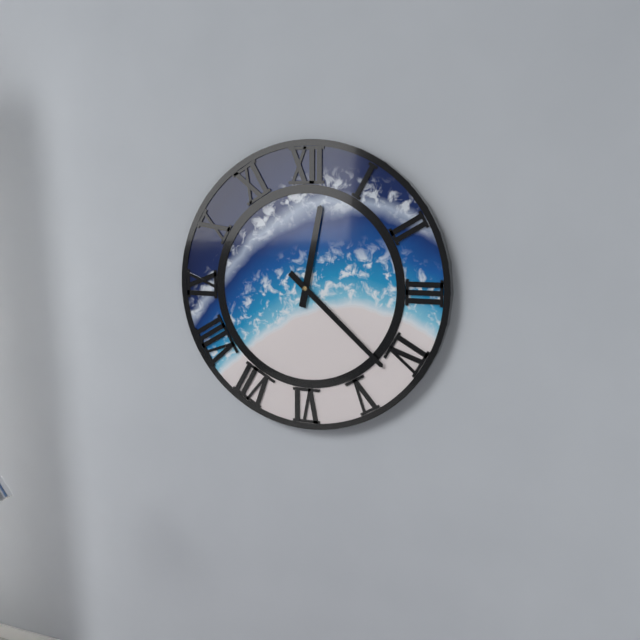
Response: 12:22
